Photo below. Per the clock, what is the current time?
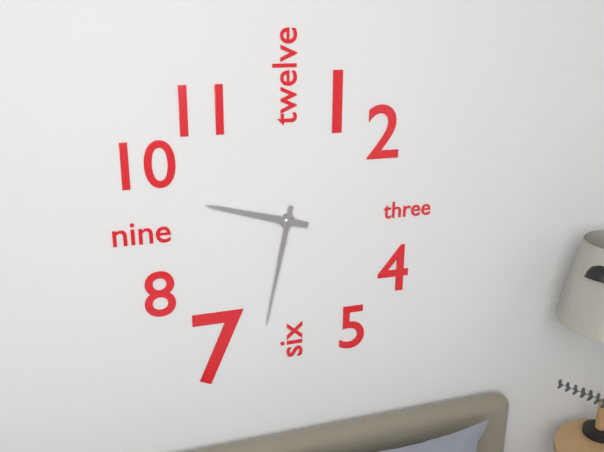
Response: 9:32
